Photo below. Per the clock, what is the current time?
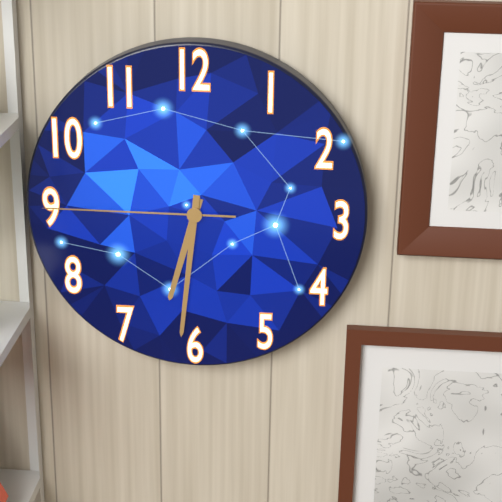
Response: 6:31:45
